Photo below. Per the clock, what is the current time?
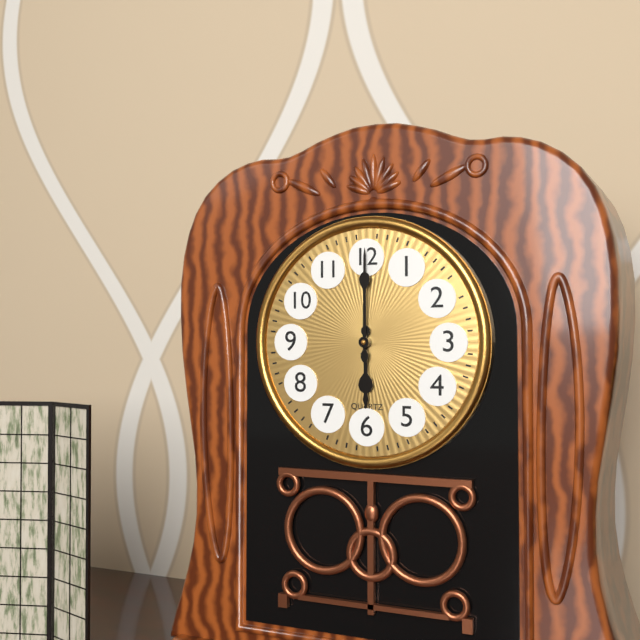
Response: 6:00
